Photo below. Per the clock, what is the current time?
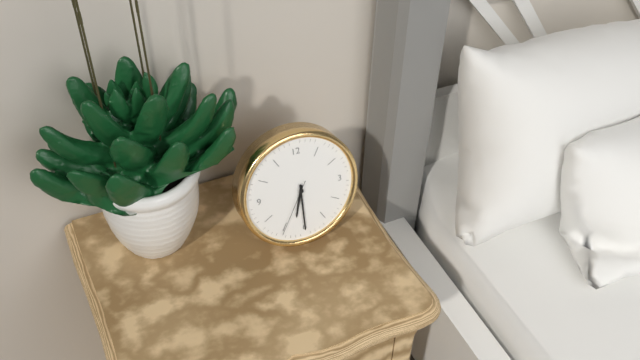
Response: 6:30:35
